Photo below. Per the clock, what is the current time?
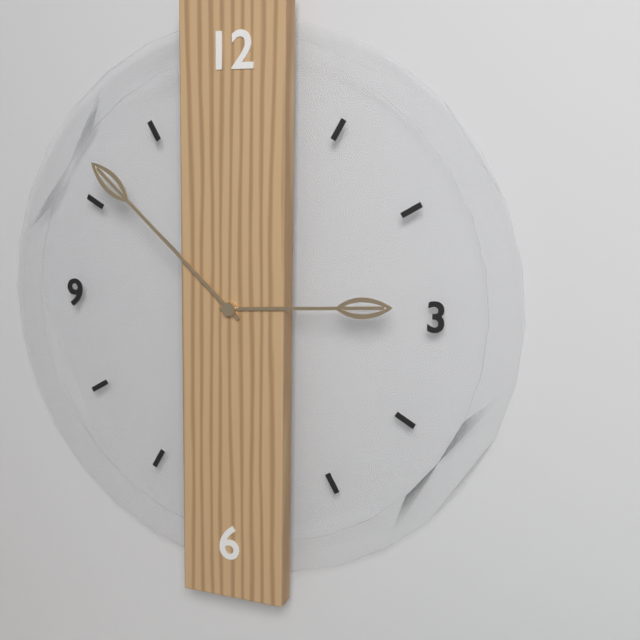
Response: 2:52
